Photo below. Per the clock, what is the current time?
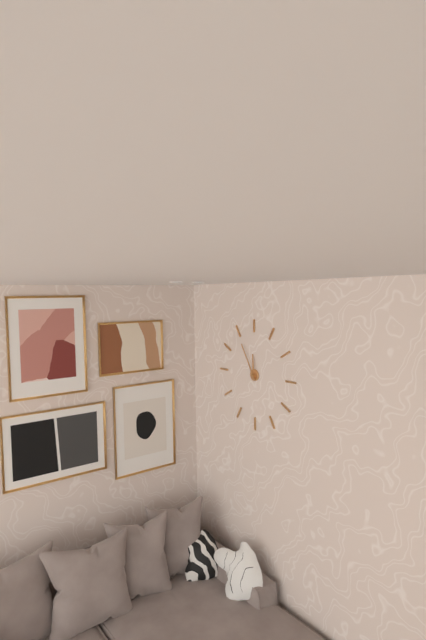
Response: 11:55
